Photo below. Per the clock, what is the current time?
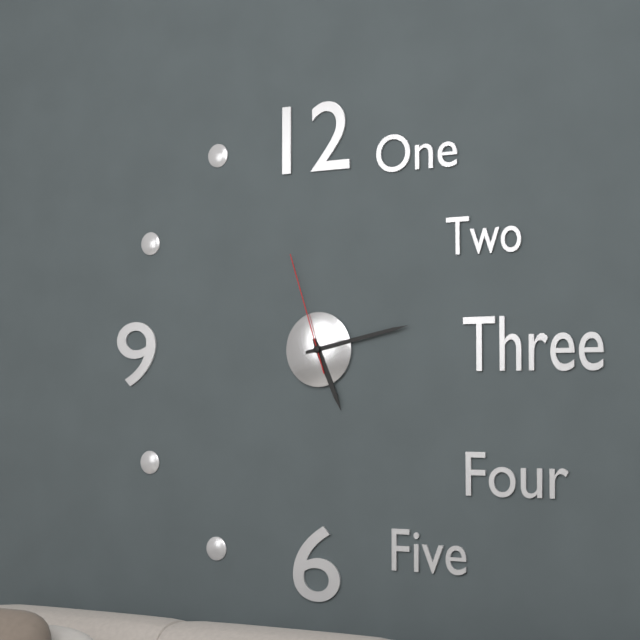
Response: 5:13:57
